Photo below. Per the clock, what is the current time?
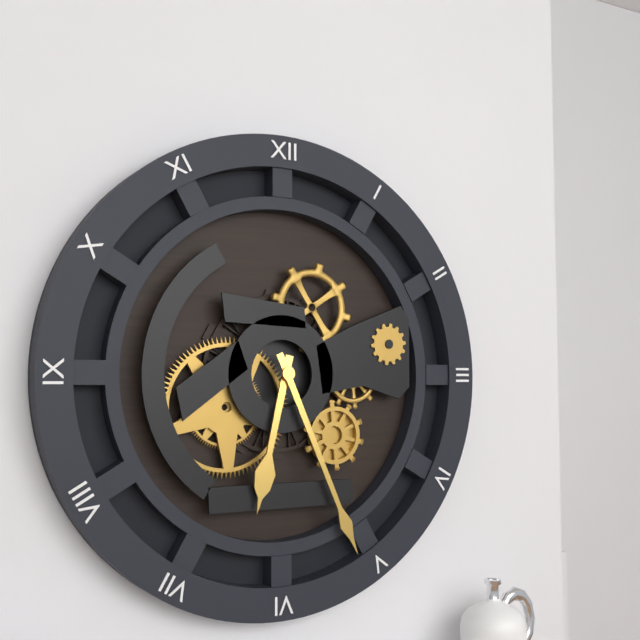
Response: 6:26
